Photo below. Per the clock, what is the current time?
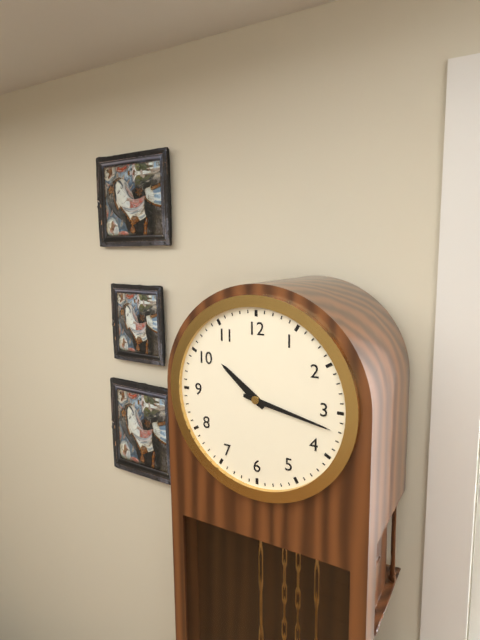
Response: 10:17
